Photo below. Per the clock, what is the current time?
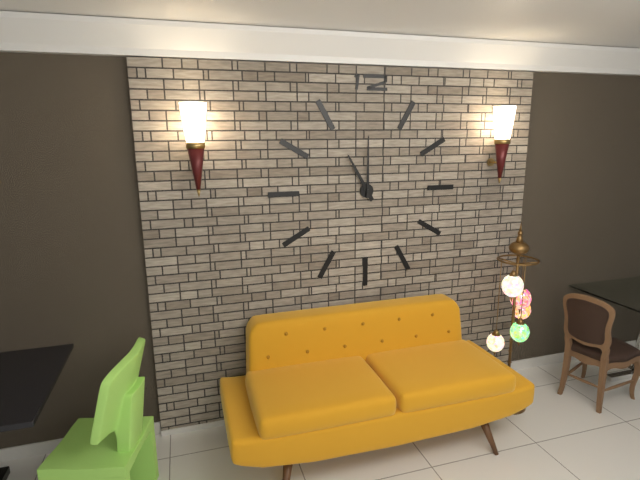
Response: 11:00
